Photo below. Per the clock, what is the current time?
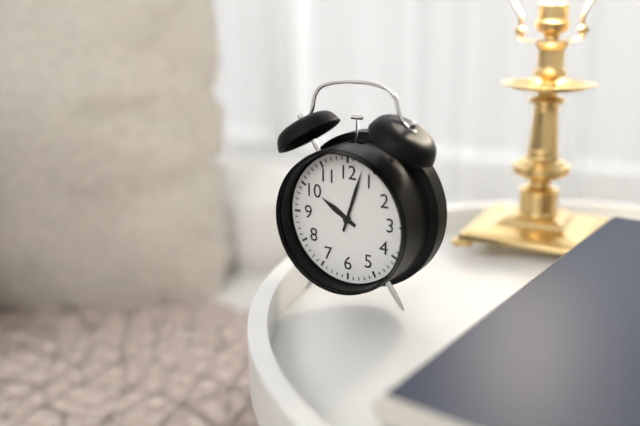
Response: 10:03
